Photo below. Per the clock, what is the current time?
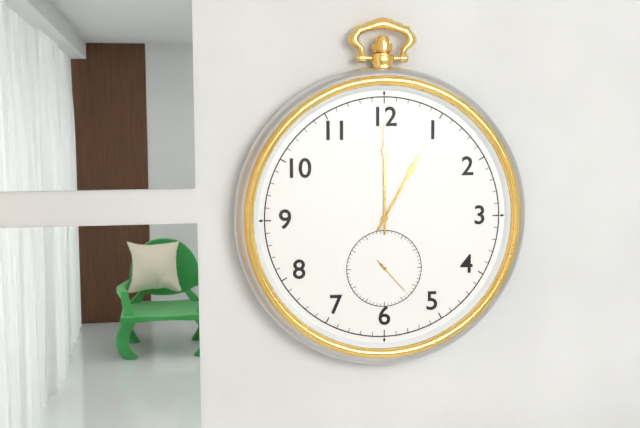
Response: 1:00
